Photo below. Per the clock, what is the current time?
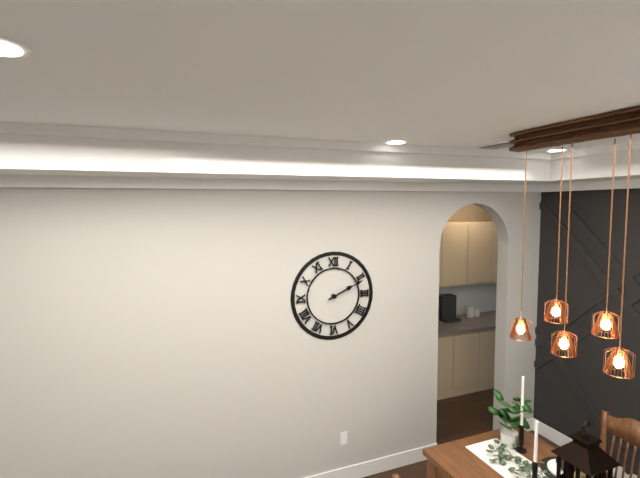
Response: 2:11
